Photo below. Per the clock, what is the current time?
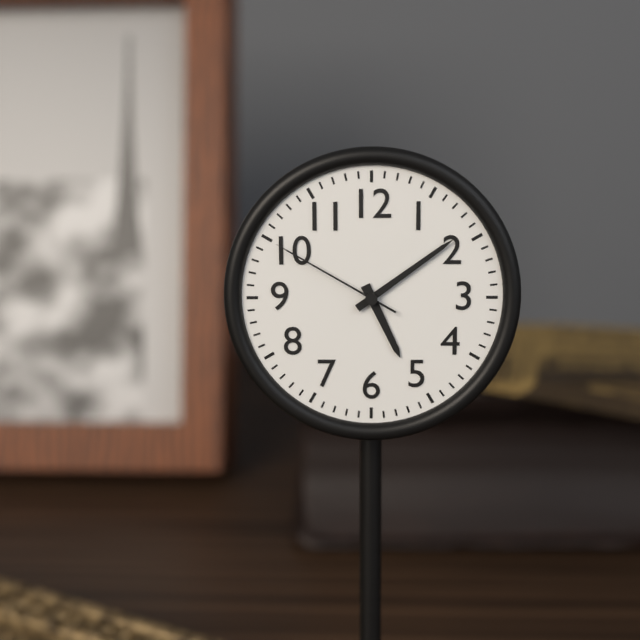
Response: 5:09:50
